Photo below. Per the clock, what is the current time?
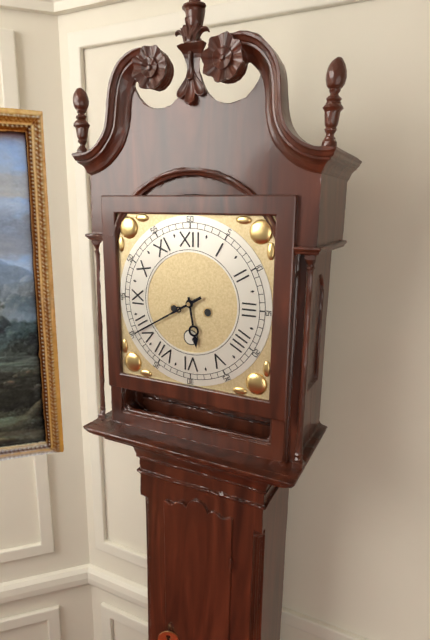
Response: 5:40
